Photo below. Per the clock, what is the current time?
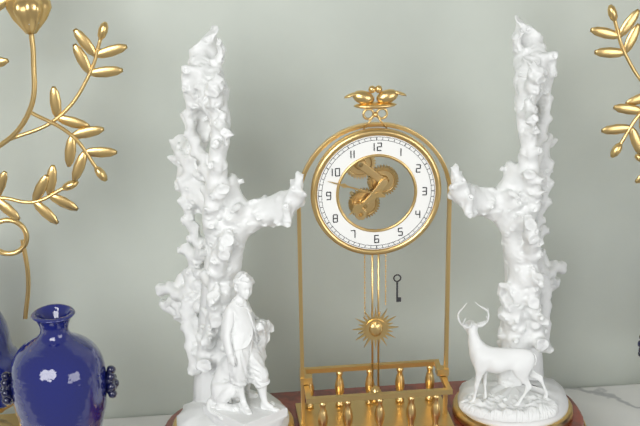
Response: 7:48
